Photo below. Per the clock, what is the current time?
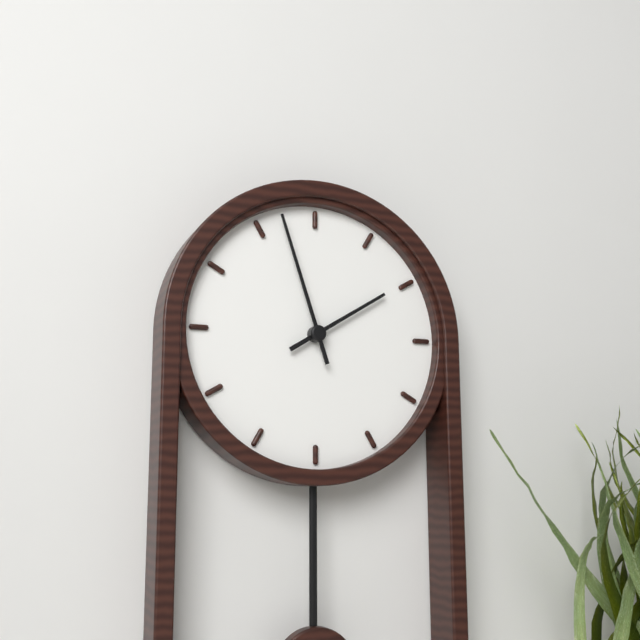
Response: 1:57
